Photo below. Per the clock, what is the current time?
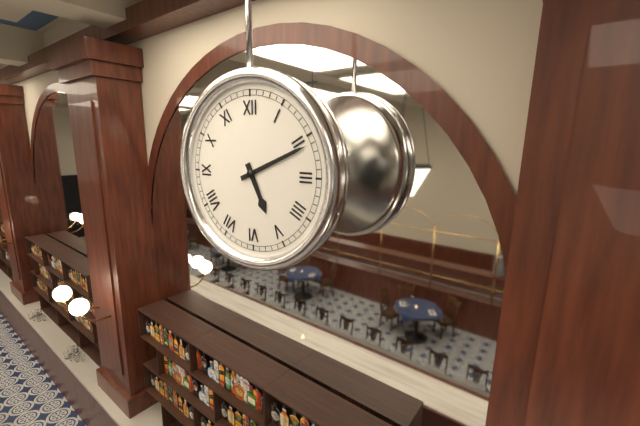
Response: 5:11
